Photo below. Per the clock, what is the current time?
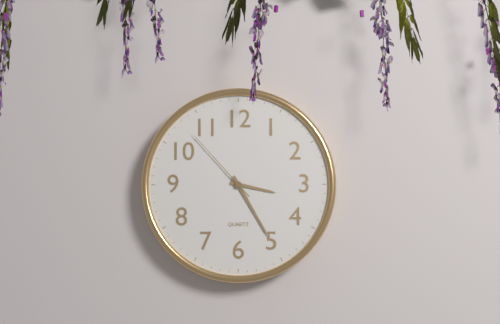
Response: 3:25:53
